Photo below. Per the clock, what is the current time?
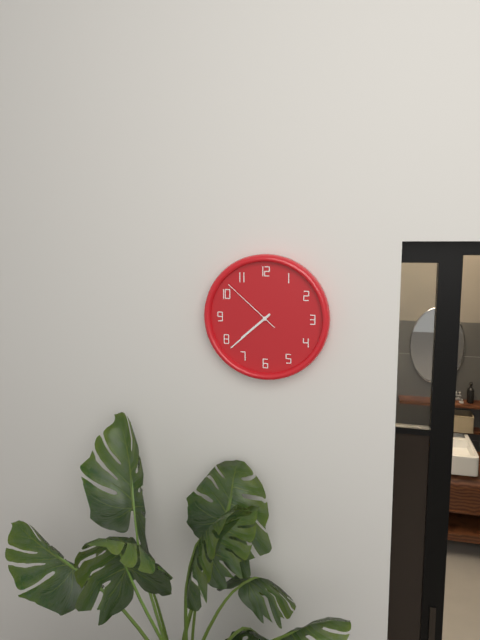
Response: 7:38:52
